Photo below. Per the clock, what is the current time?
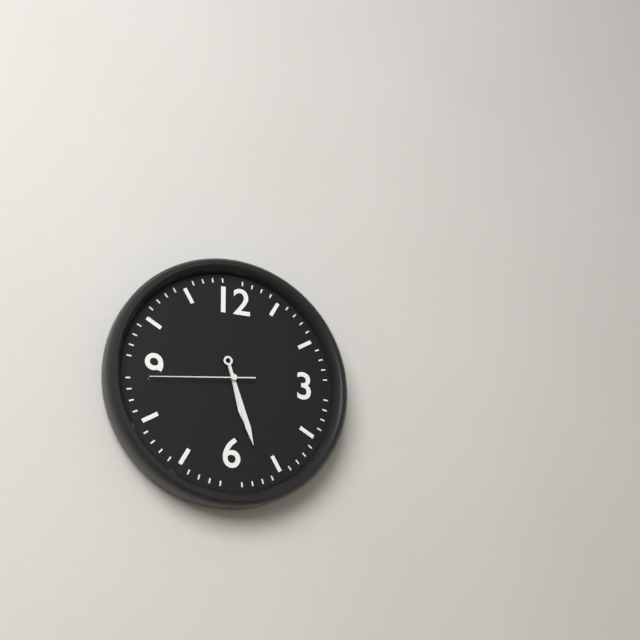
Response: 5:27:44
